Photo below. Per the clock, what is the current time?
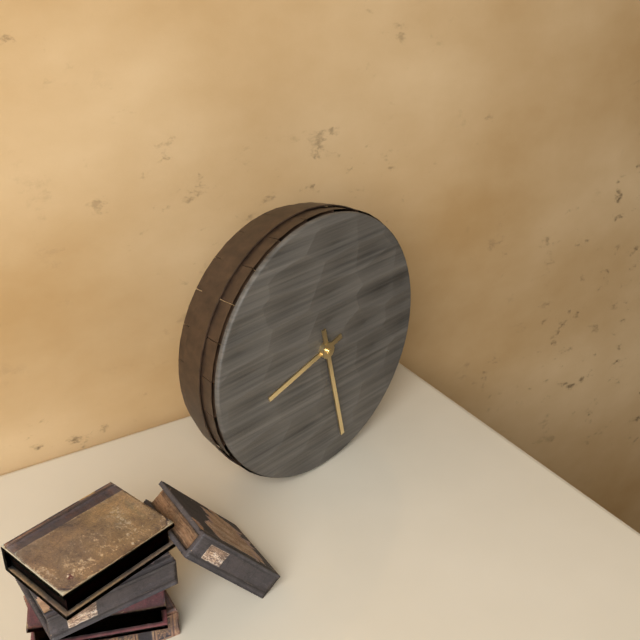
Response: 8:28
